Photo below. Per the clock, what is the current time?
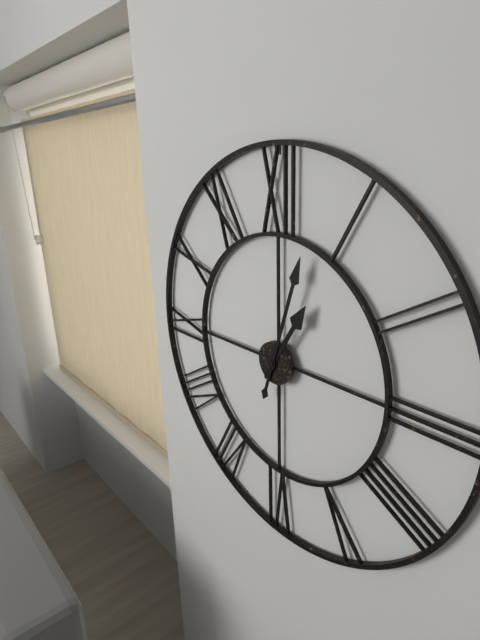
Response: 1:03
